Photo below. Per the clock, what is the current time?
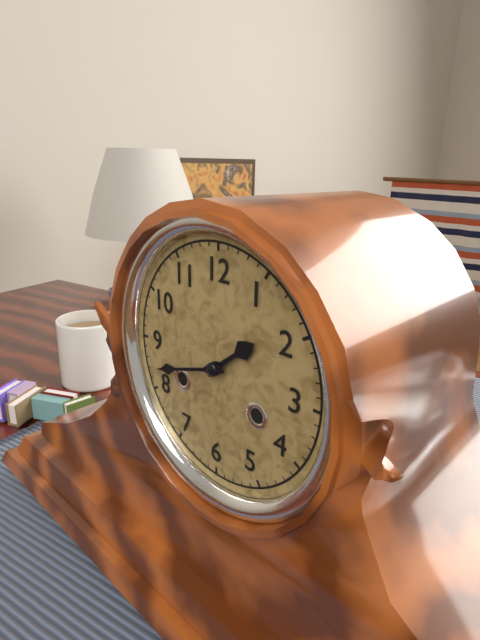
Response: 1:42
